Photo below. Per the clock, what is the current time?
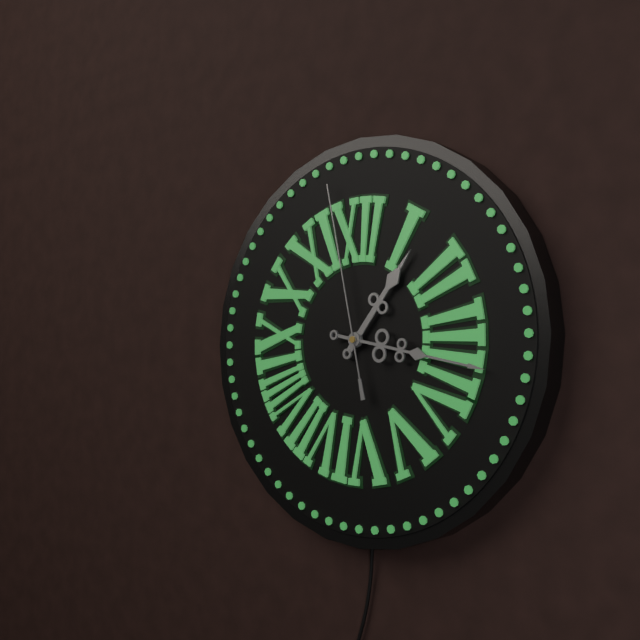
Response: 1:17:58
